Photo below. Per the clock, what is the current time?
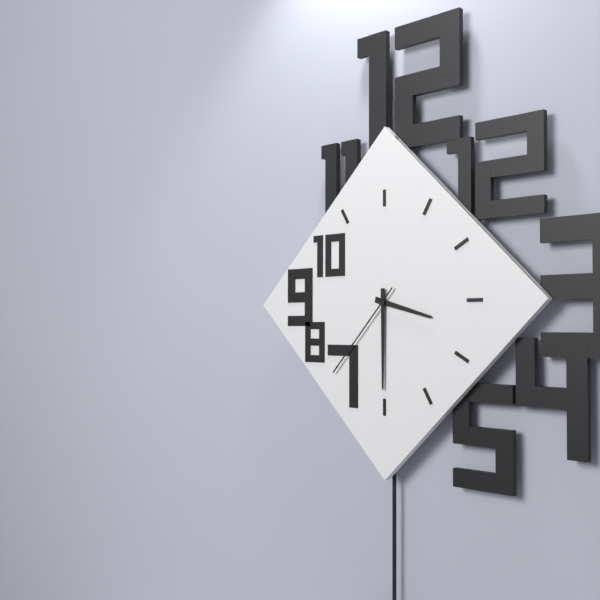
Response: 3:30:37
